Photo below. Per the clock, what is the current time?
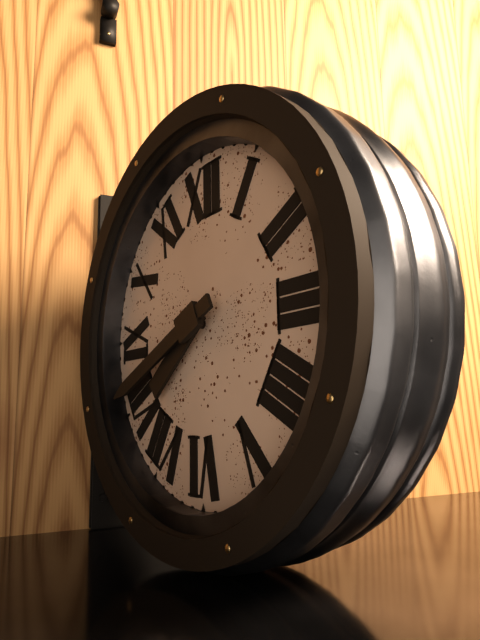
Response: 7:41
